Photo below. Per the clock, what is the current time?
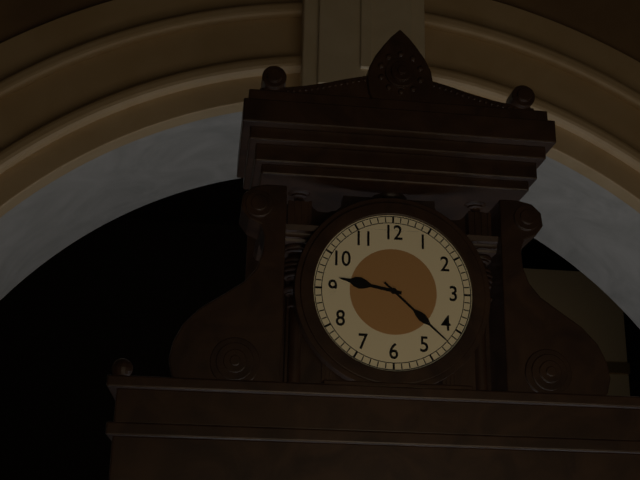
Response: 9:22
